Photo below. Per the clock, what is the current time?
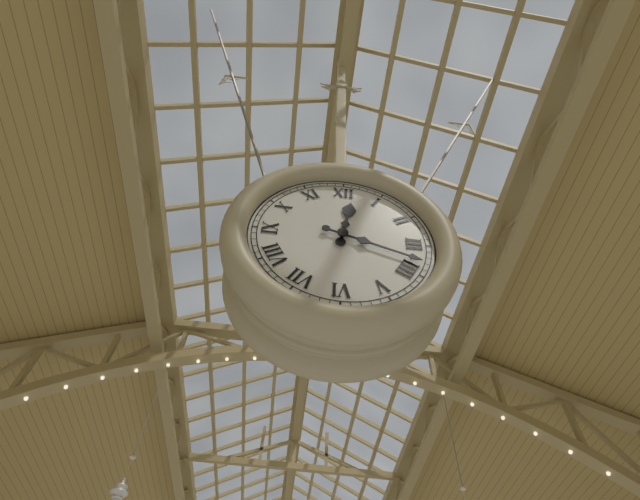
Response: 12:18
